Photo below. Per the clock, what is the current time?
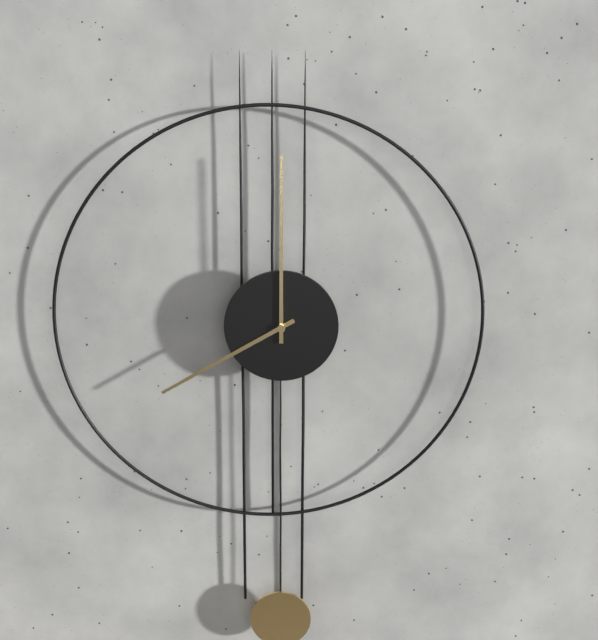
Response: 8:00
